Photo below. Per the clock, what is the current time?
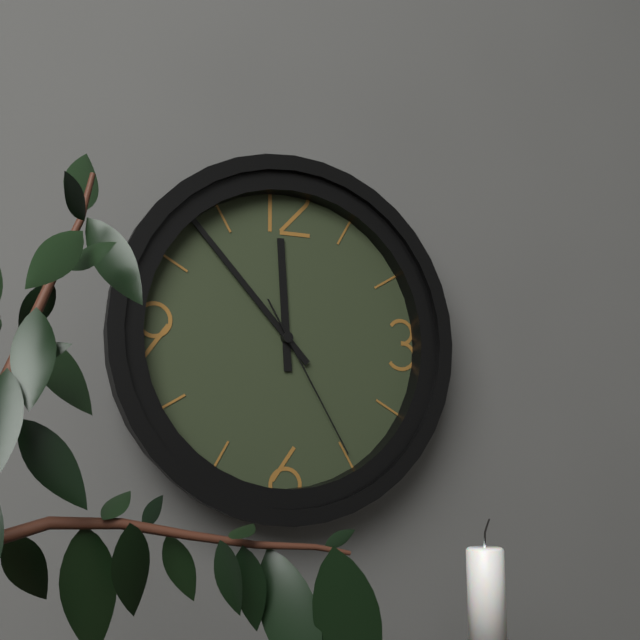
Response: 11:53:25
